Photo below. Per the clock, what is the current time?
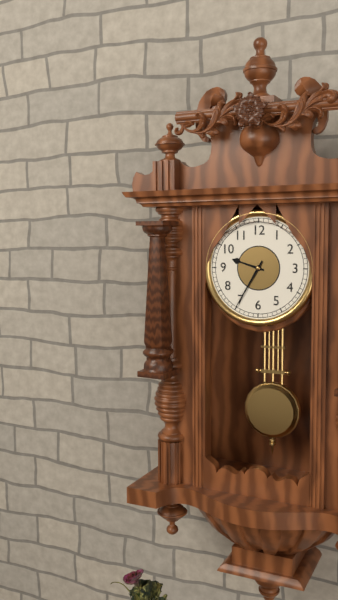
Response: 9:35
